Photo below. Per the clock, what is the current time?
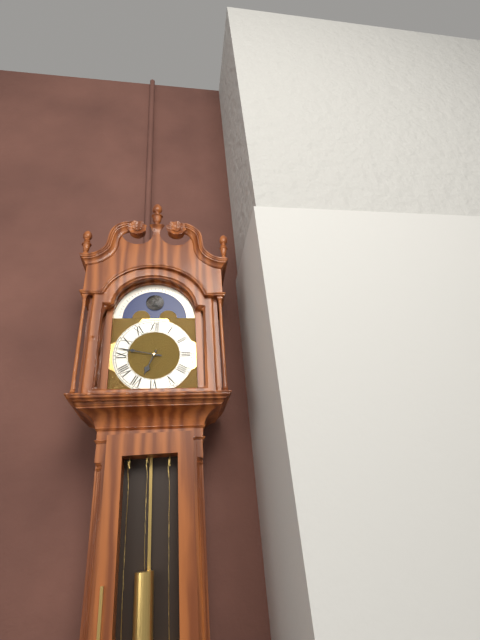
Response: 6:47
